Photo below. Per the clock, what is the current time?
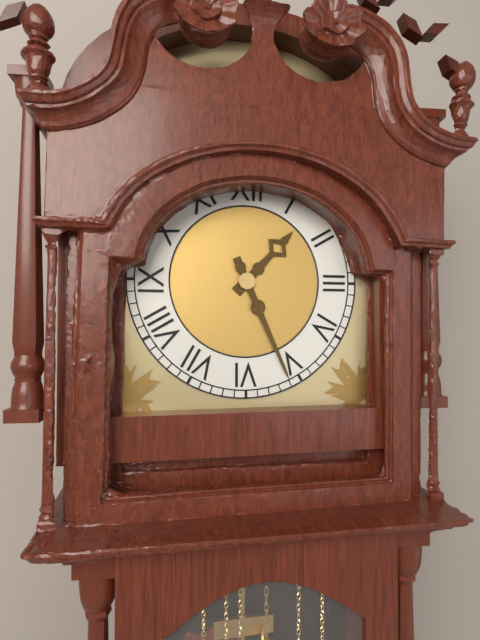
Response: 1:26
